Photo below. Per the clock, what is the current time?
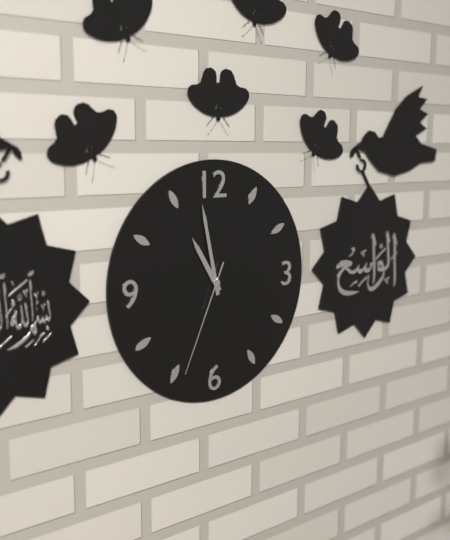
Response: 10:58:34
